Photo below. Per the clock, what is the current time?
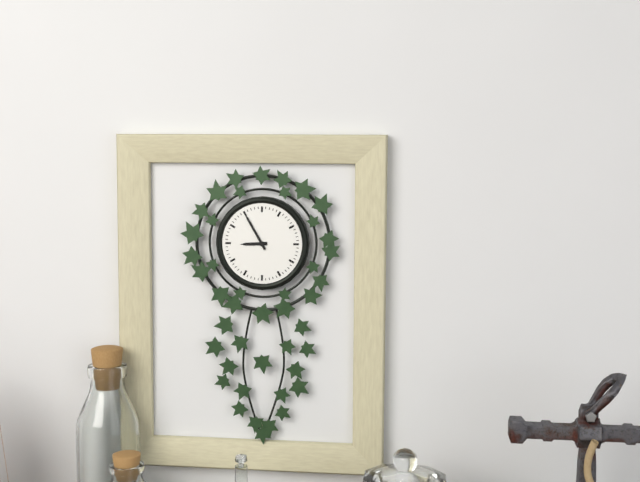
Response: 8:55
